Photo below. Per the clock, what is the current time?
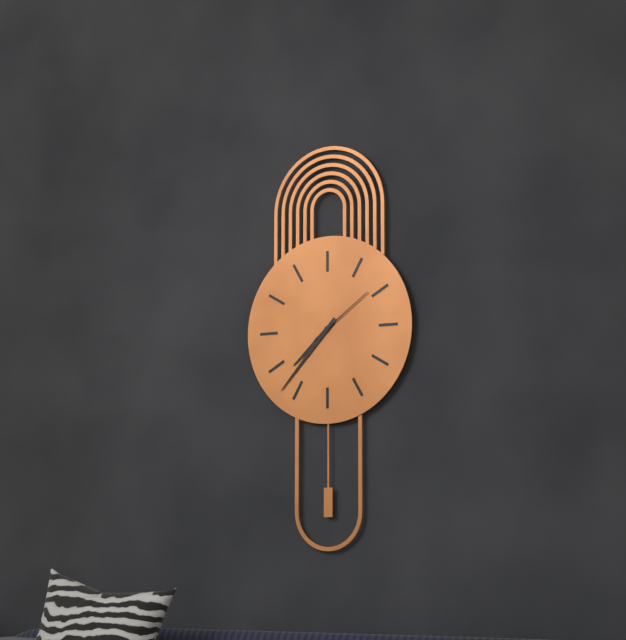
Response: 7:37:09
